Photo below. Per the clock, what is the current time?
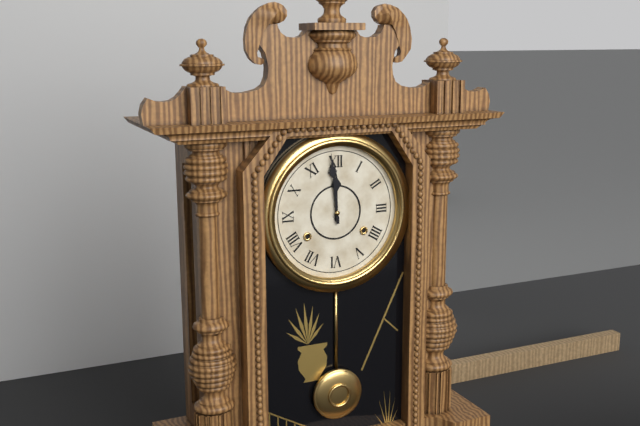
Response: 11:59
